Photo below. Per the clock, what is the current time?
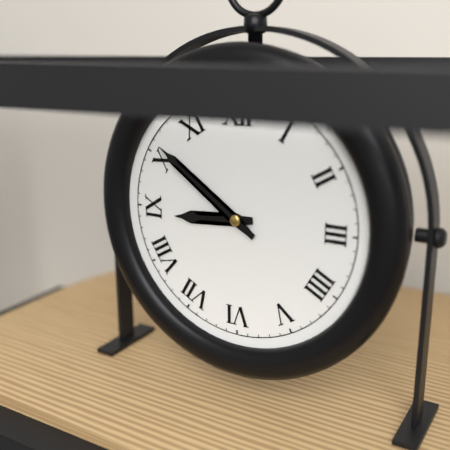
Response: 8:51
